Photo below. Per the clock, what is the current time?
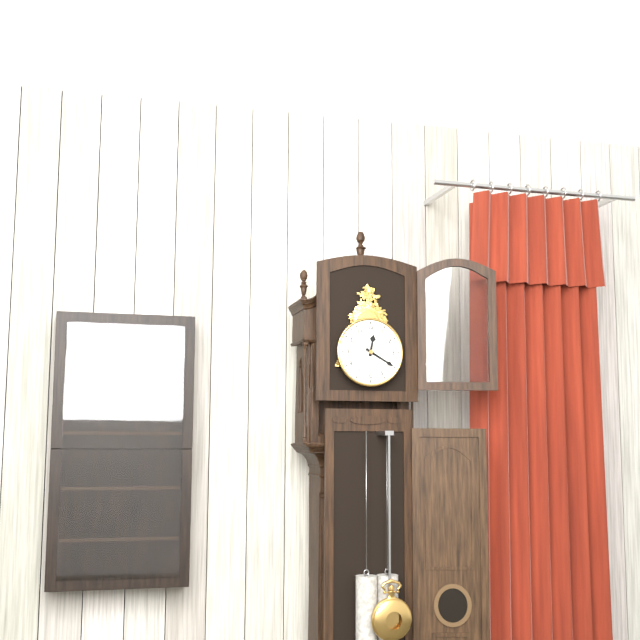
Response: 12:20
